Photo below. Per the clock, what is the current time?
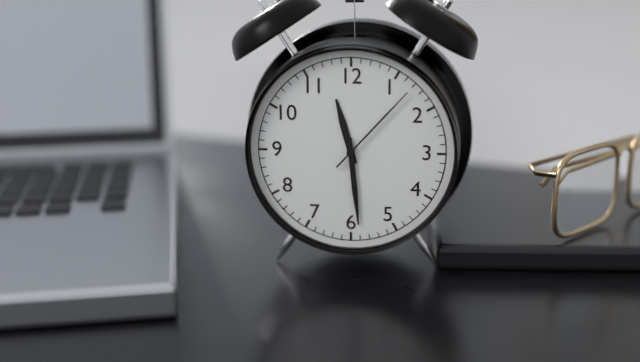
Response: 11:29:07
